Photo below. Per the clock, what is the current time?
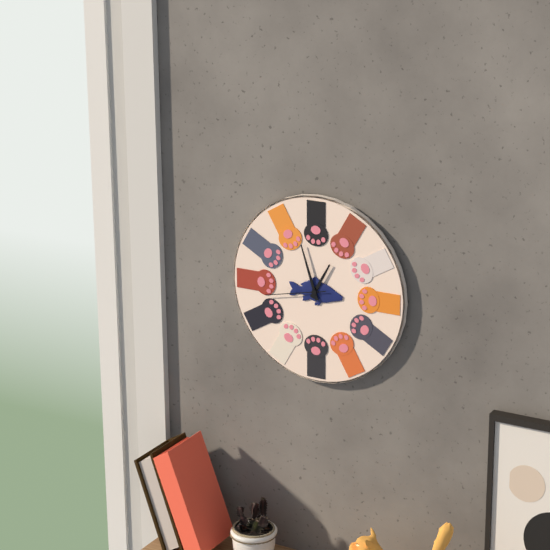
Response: 12:57:43
